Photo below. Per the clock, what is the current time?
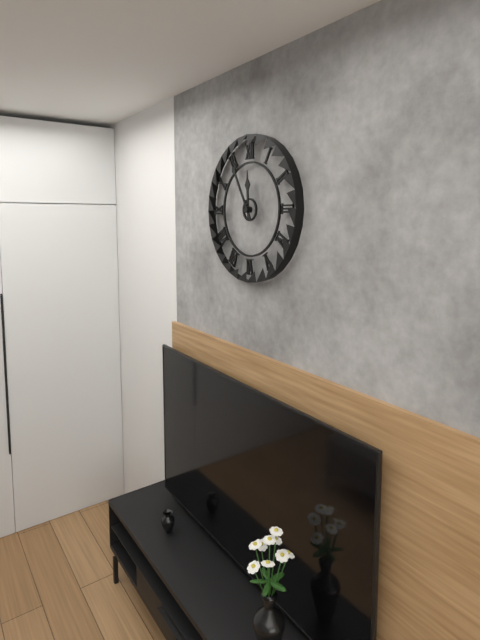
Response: 11:55
